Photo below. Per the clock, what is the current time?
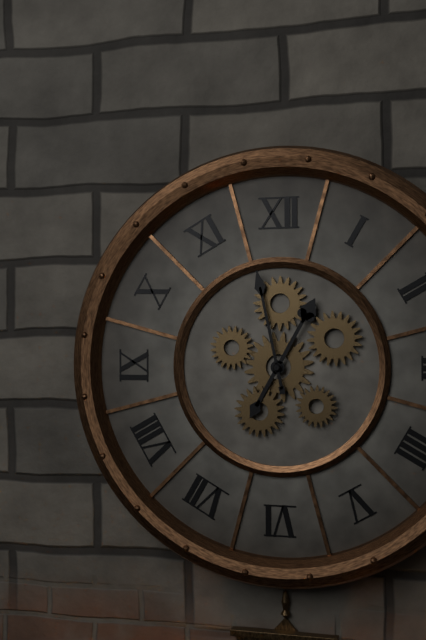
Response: 12:58
